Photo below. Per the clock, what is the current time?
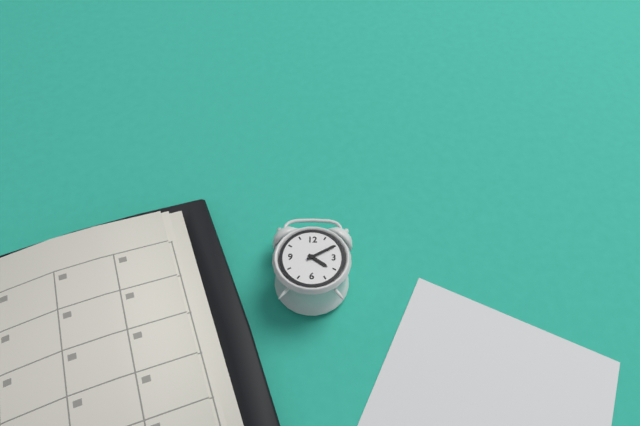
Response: 4:10
